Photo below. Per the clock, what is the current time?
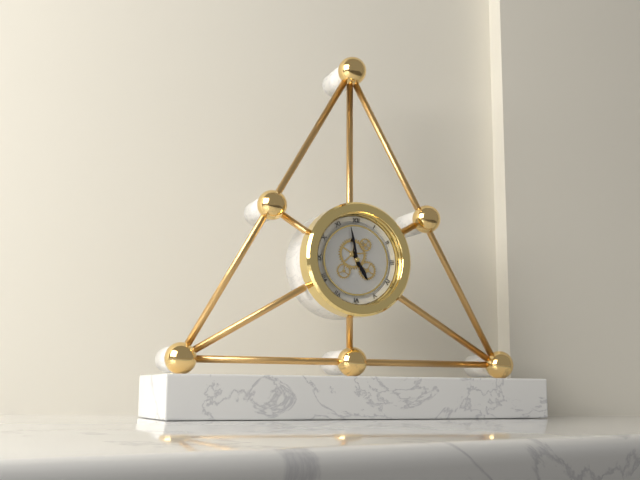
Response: 4:58
